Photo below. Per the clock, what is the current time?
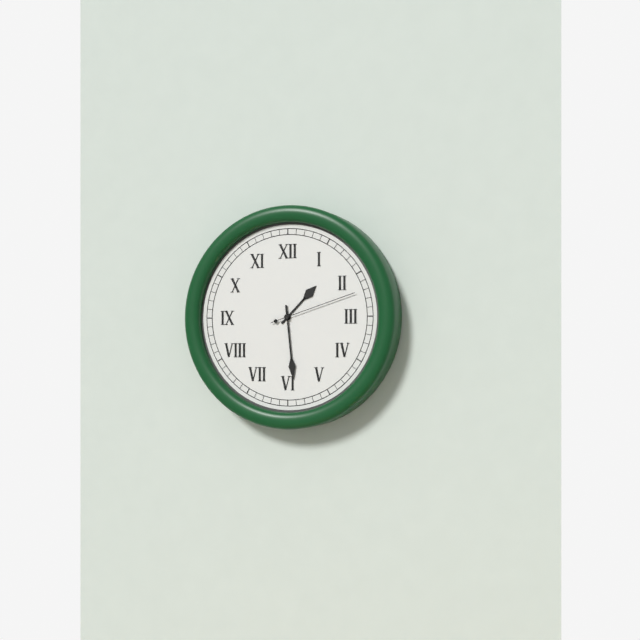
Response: 1:29:12
